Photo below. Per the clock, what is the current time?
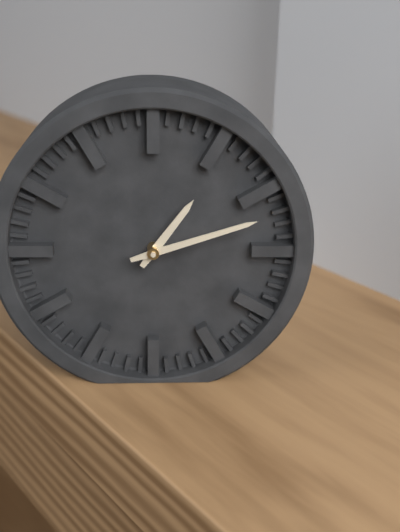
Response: 1:12
